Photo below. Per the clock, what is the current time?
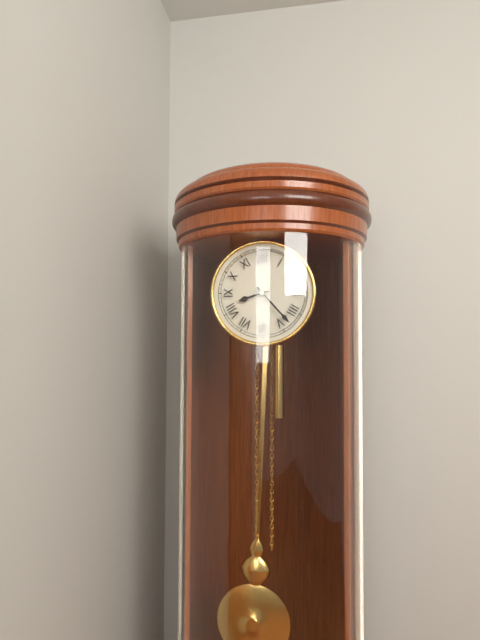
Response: 8:23
